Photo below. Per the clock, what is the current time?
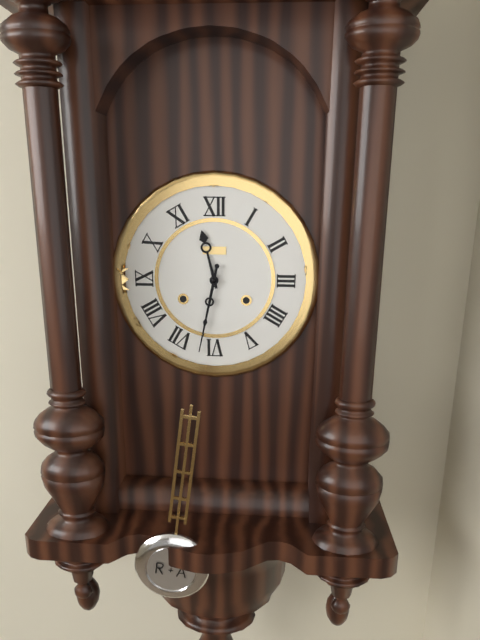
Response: 11:32
